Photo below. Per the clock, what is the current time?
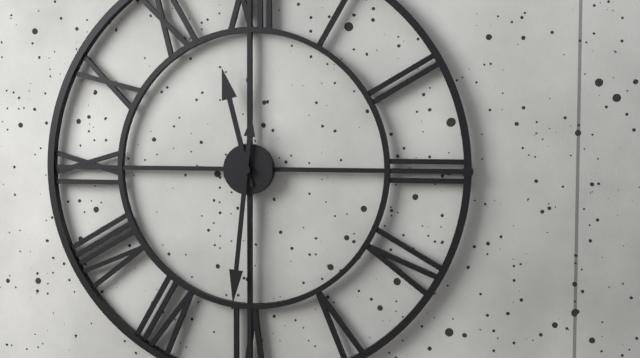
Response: 11:31
